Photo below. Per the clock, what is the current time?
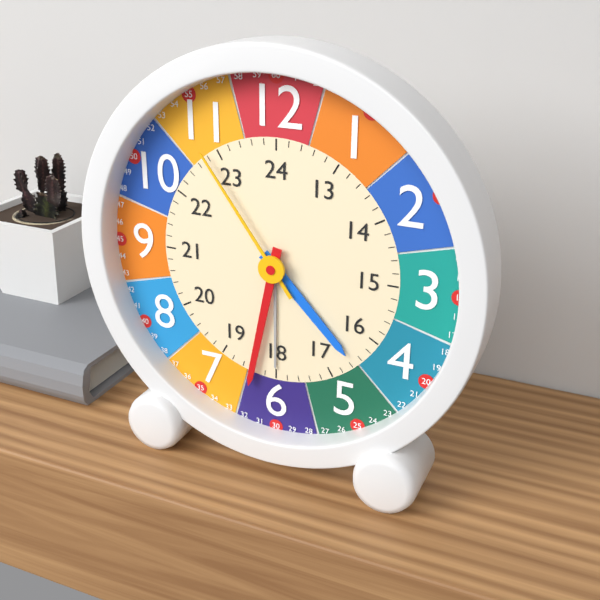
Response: 4:32:54
